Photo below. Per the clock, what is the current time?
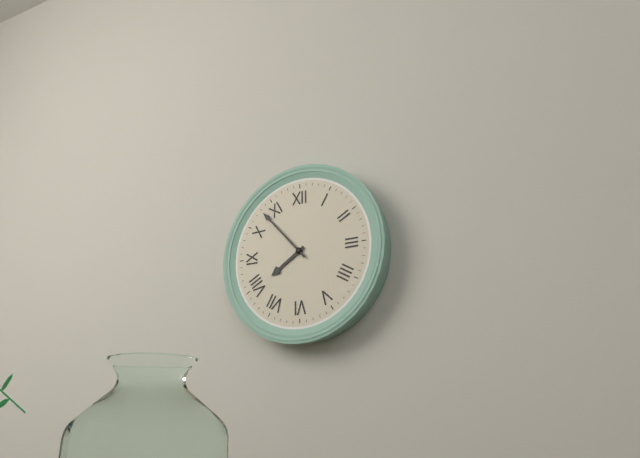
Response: 7:53
